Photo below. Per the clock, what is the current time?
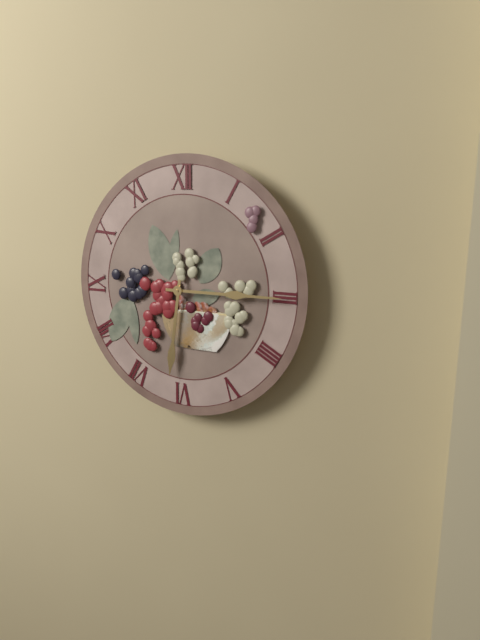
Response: 6:15
